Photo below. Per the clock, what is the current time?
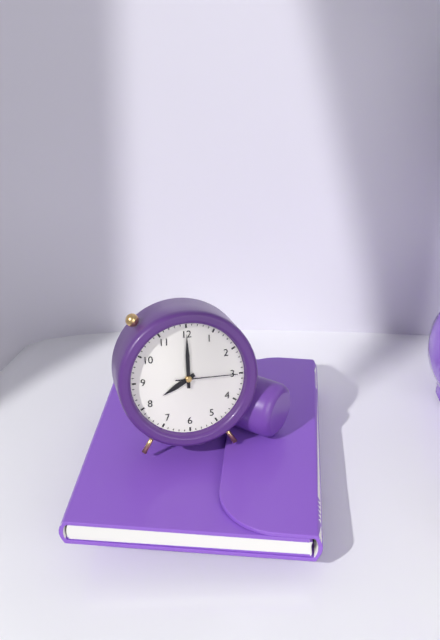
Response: 8:00:15
